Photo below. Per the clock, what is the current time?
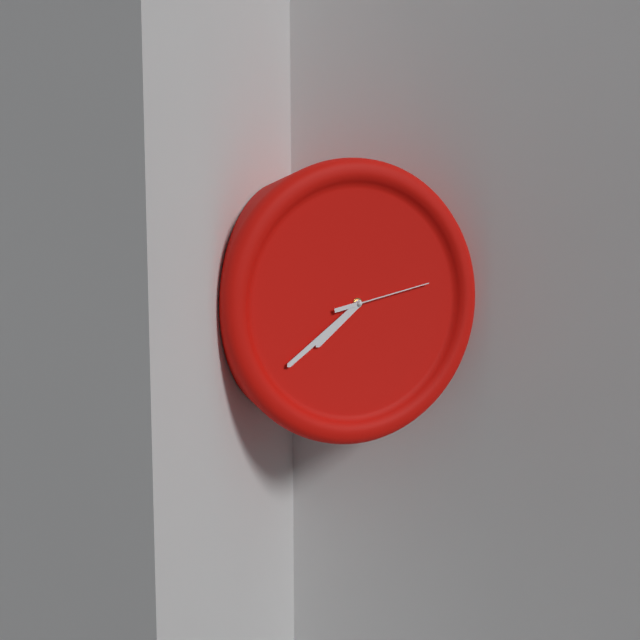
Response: 7:39:13
